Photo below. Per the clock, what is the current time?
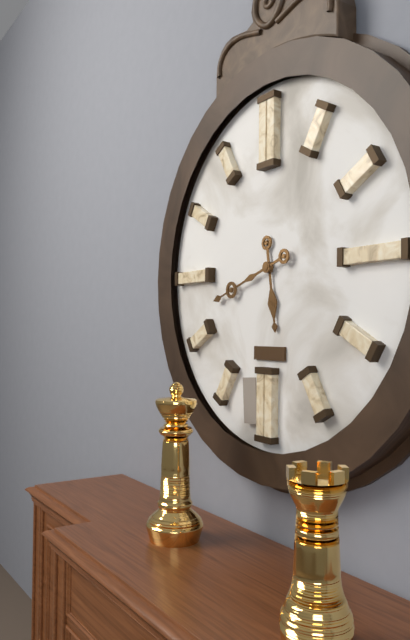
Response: 5:42
